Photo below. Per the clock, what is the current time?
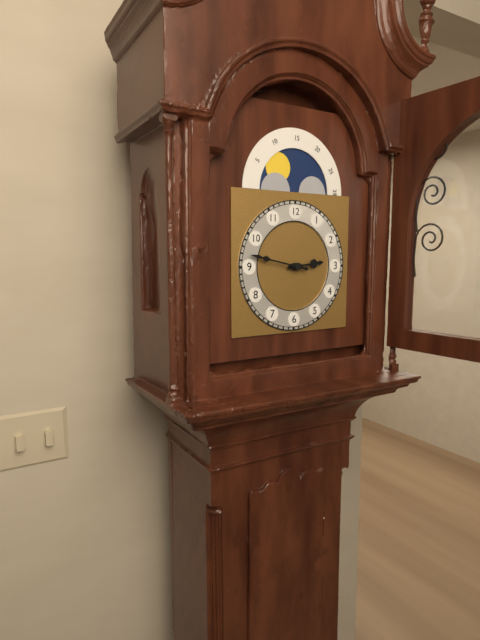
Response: 2:47
